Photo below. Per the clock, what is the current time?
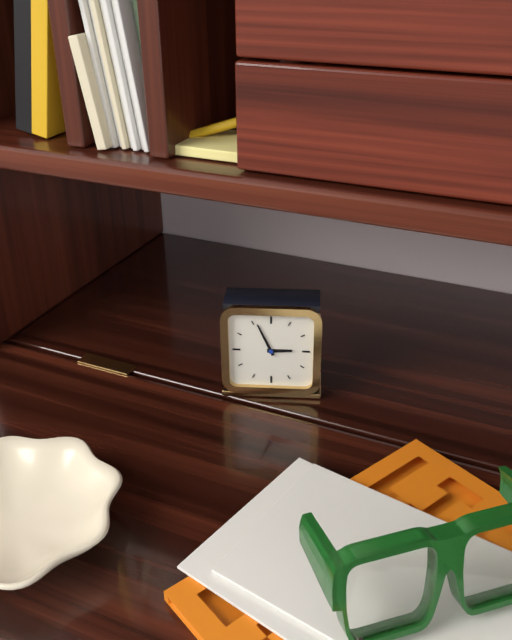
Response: 2:56
